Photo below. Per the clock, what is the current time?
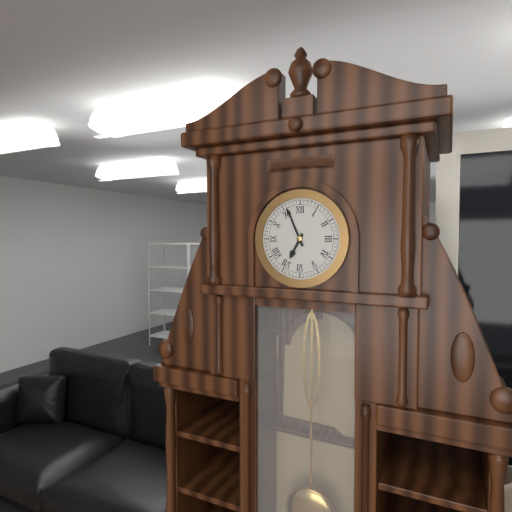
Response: 6:56
